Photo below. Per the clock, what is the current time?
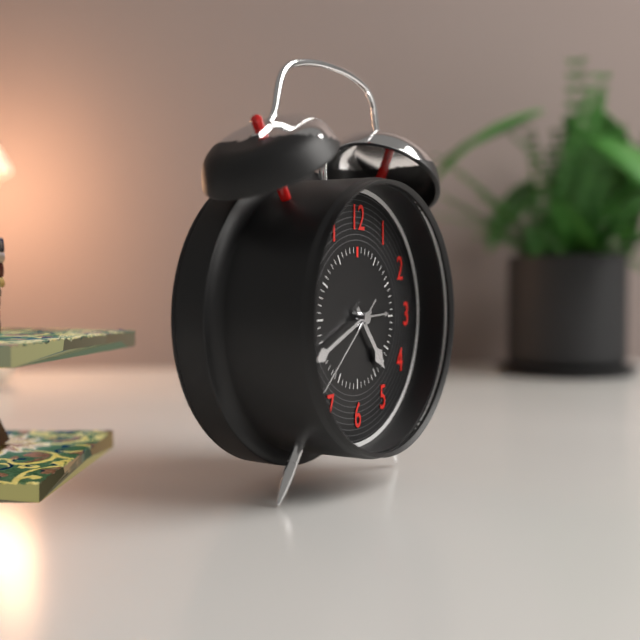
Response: 4:41:38
